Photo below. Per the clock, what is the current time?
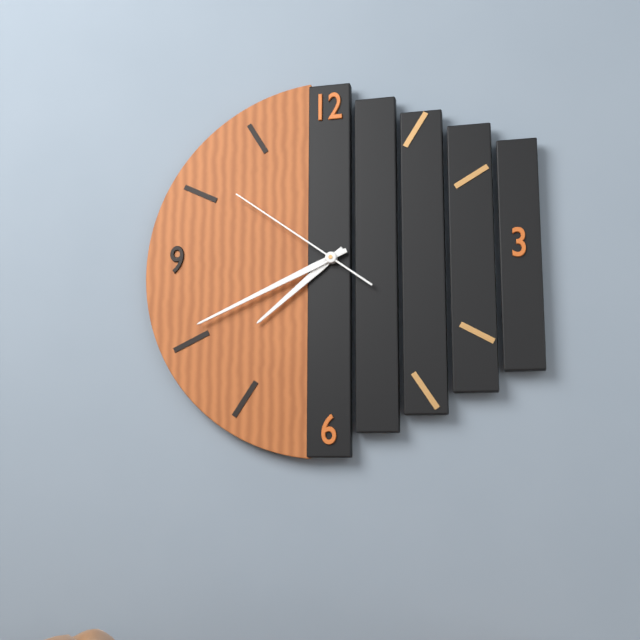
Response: 7:41:51
